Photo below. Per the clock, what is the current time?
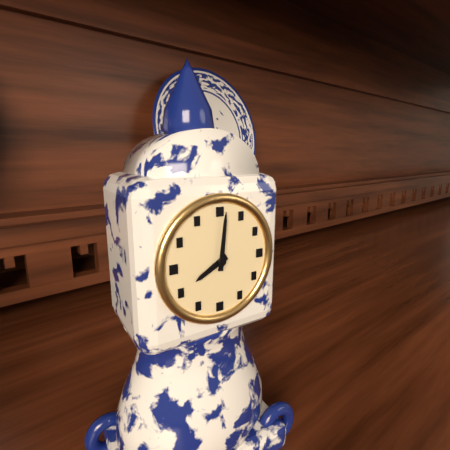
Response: 8:01
